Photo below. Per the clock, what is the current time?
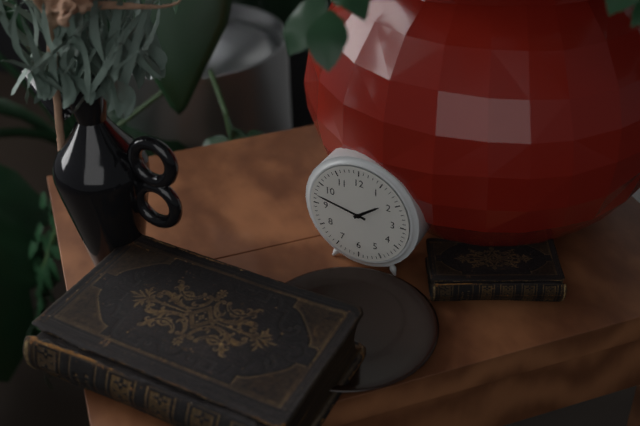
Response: 1:47
